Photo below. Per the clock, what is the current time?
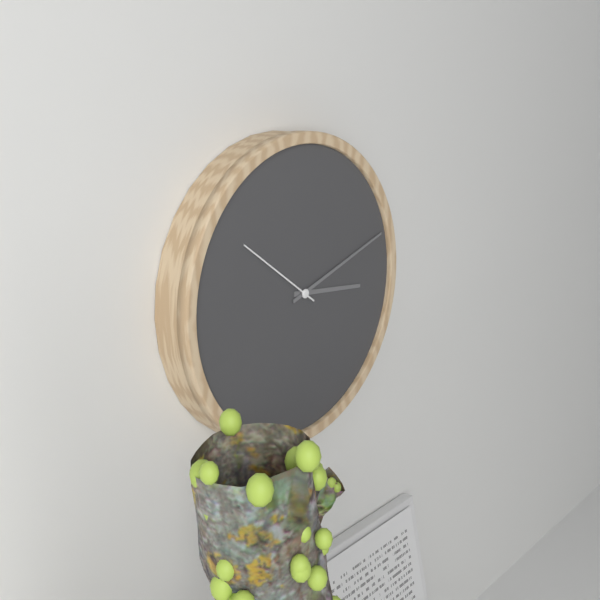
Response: 3:12:51
